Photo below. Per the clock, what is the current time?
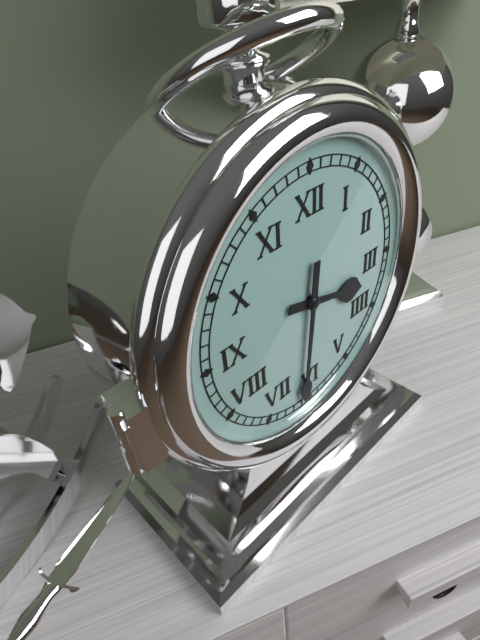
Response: 3:31
